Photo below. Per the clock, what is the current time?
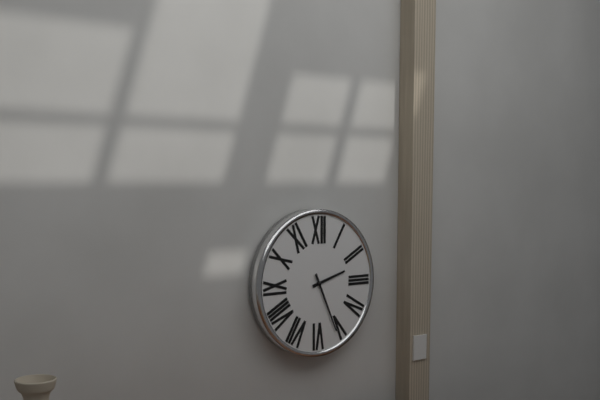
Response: 2:26
